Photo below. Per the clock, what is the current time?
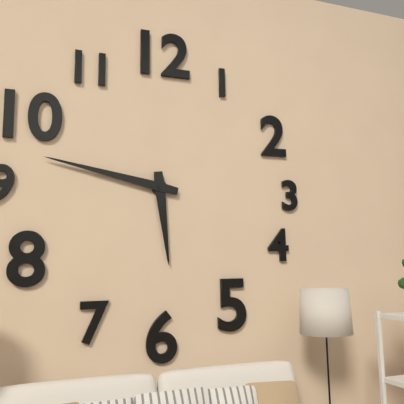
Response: 5:47
